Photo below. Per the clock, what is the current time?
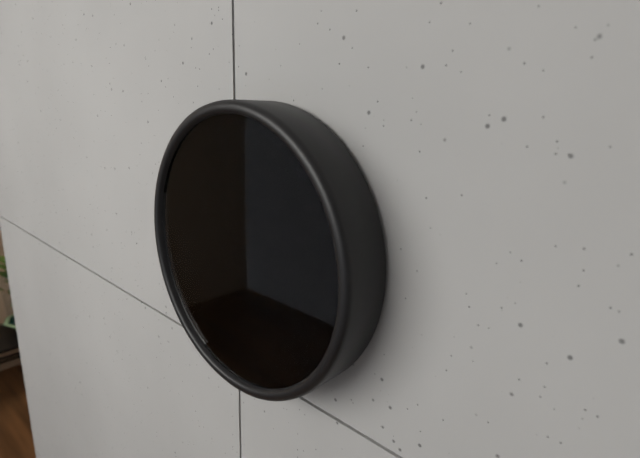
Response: 1:12
